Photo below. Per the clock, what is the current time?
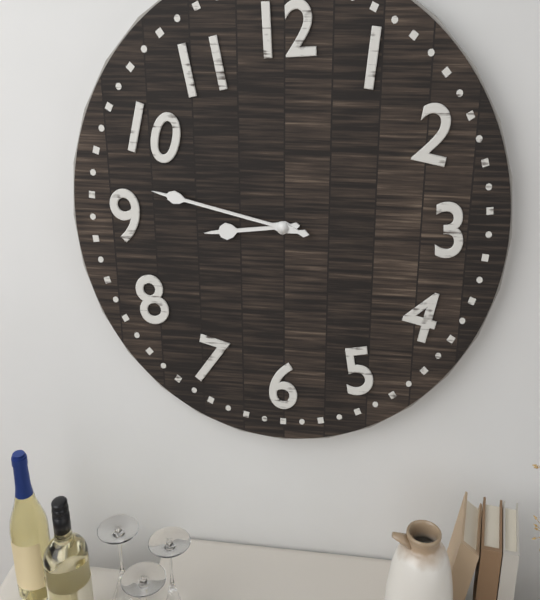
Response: 8:47
